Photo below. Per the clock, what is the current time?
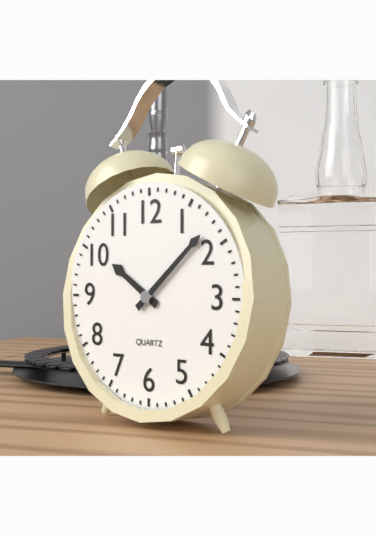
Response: 10:08
